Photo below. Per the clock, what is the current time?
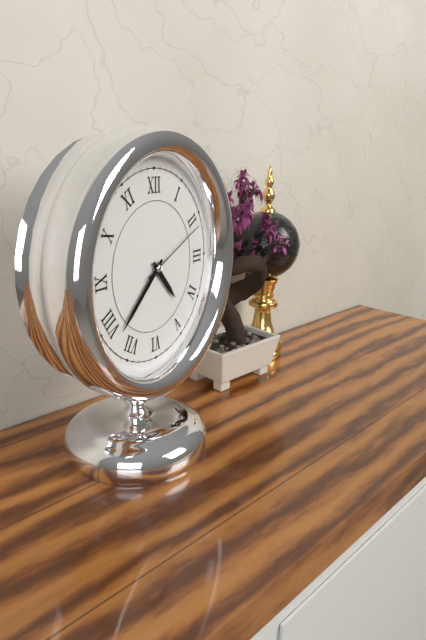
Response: 4:38:11
